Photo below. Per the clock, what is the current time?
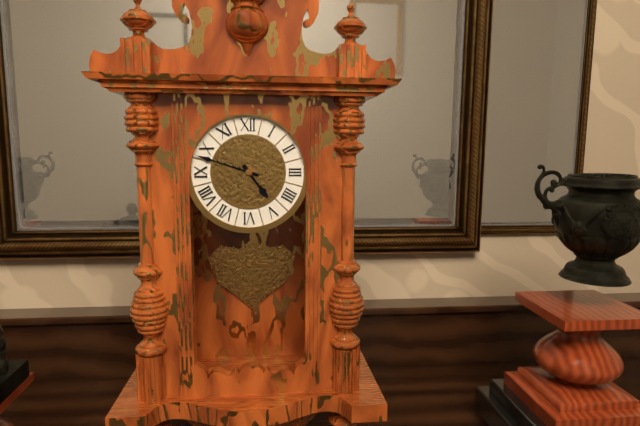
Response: 4:48
